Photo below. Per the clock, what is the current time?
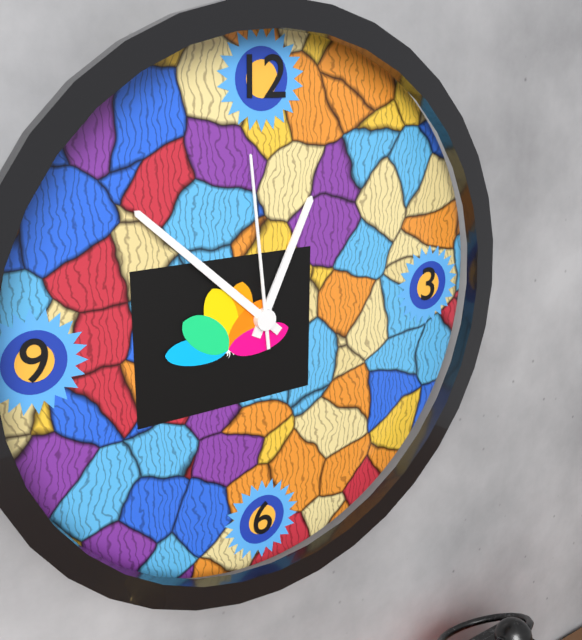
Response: 12:52:59
